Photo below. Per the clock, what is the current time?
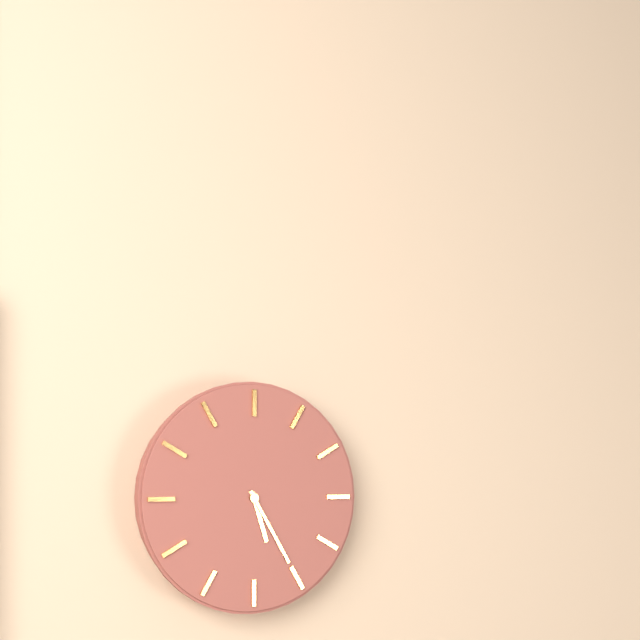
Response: 5:25
